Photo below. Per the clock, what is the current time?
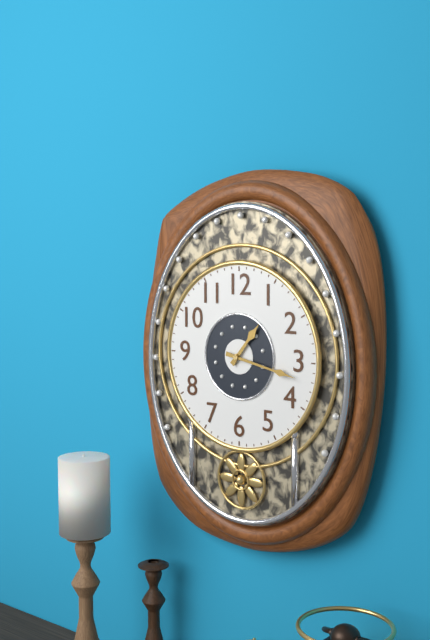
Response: 1:17
